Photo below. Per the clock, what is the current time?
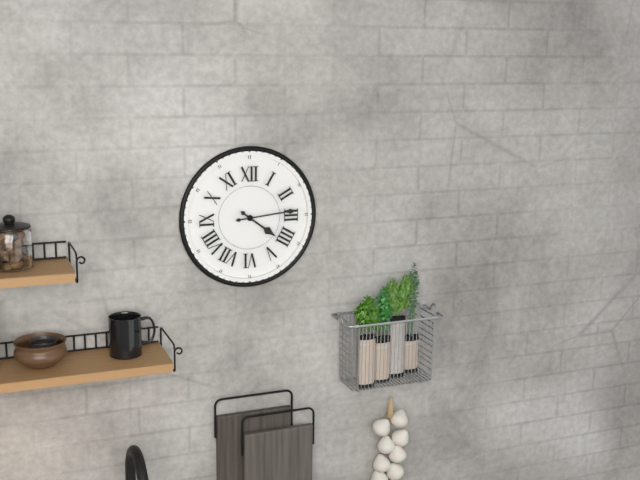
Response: 4:14
